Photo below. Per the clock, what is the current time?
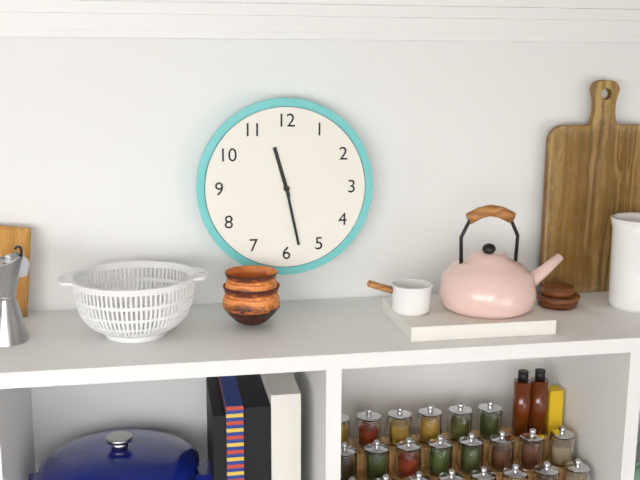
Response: 11:28
